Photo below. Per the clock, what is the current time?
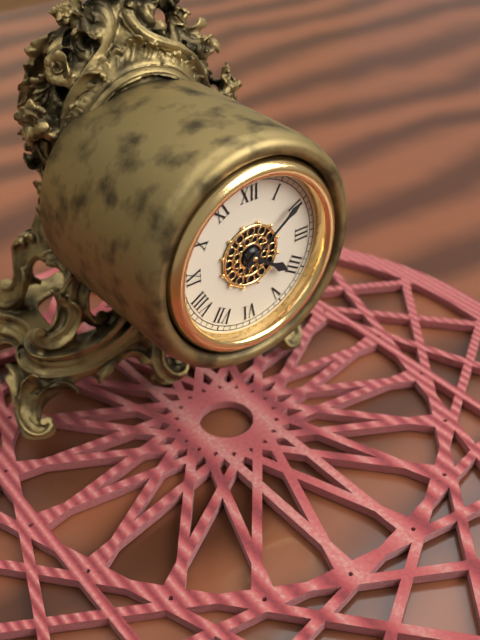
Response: 4:09
